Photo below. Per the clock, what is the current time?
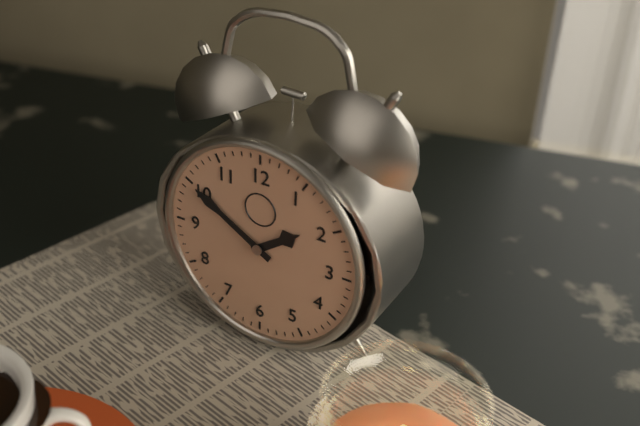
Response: 1:50
